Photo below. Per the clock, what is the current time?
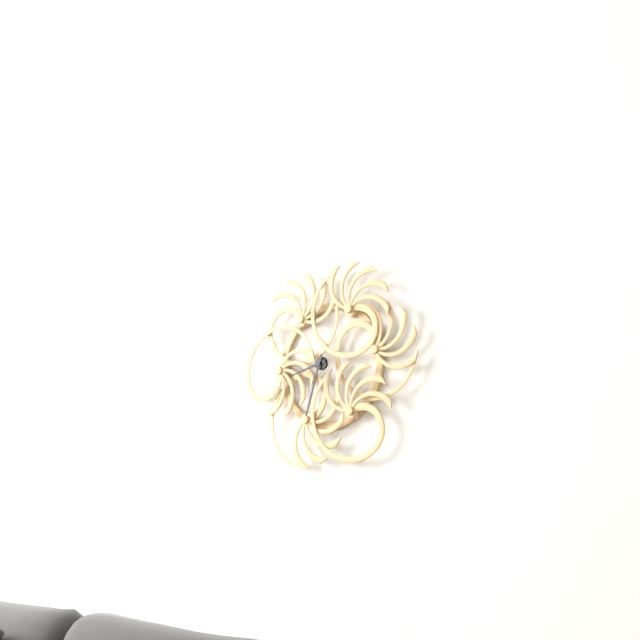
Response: 8:33
